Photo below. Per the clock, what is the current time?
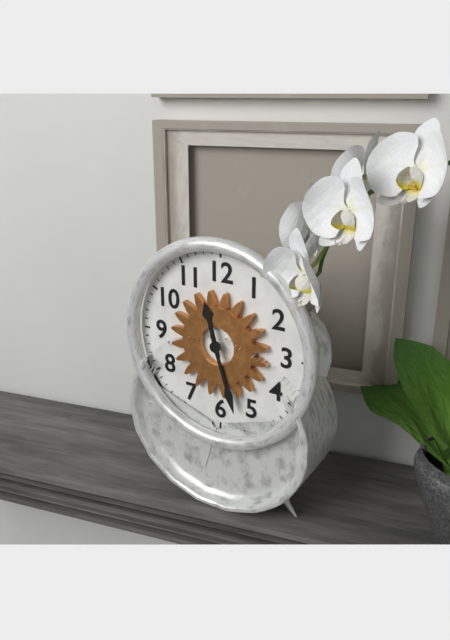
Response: 11:27
